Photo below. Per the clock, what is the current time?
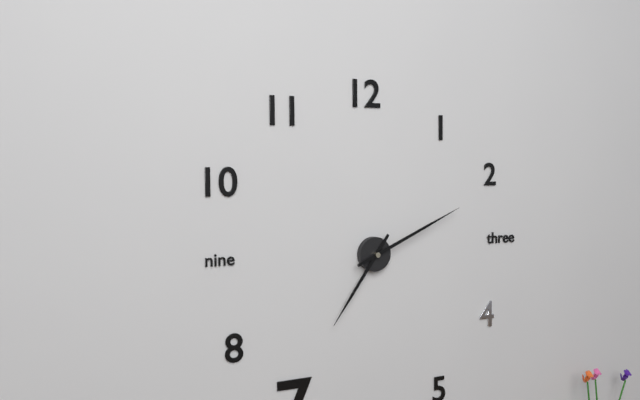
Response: 7:11
